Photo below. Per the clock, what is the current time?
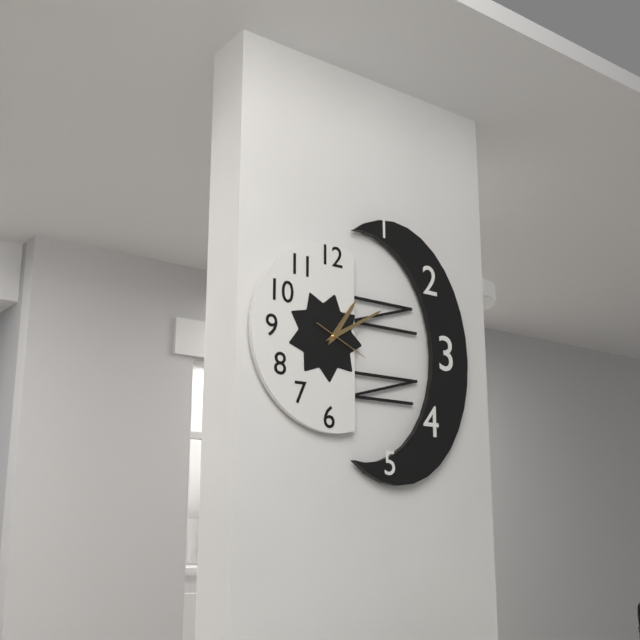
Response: 1:10:19
